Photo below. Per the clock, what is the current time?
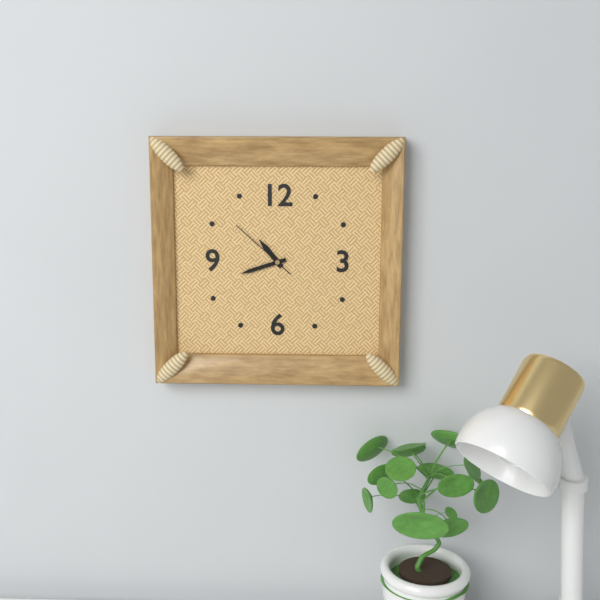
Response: 10:42:52
